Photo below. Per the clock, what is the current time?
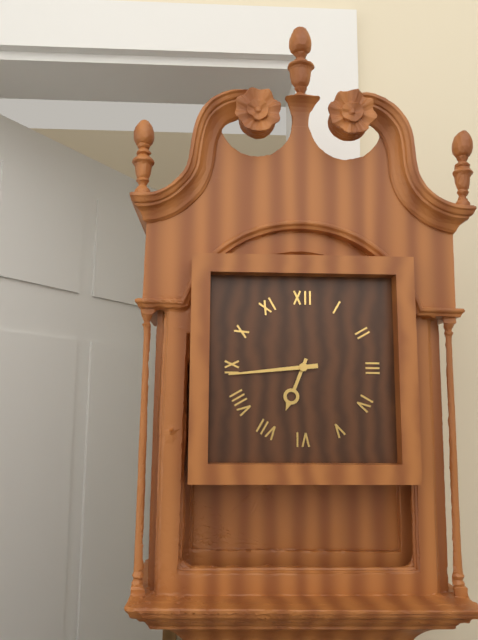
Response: 6:44
